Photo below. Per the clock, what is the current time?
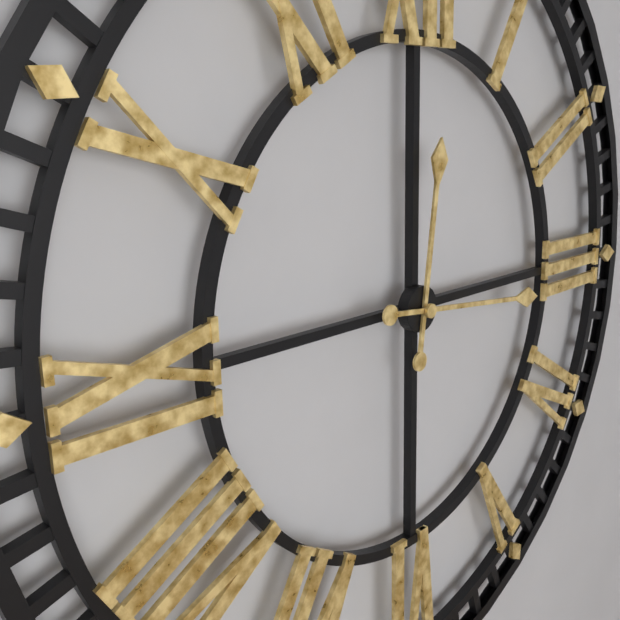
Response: 12:16
